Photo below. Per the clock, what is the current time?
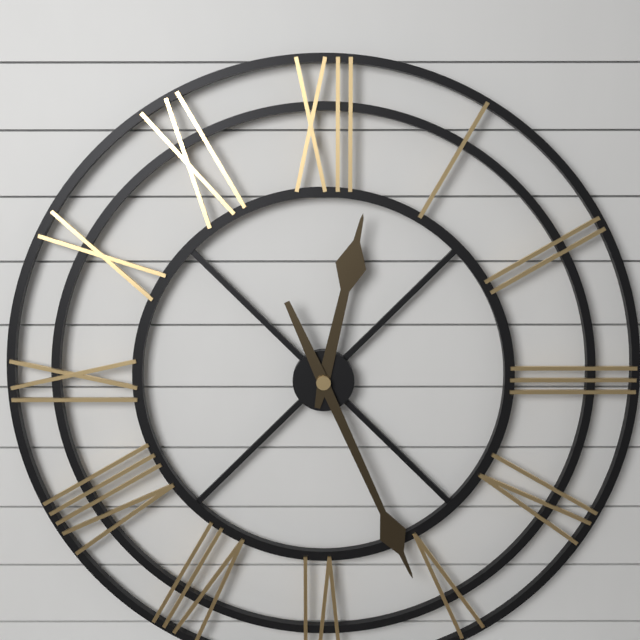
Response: 12:26
